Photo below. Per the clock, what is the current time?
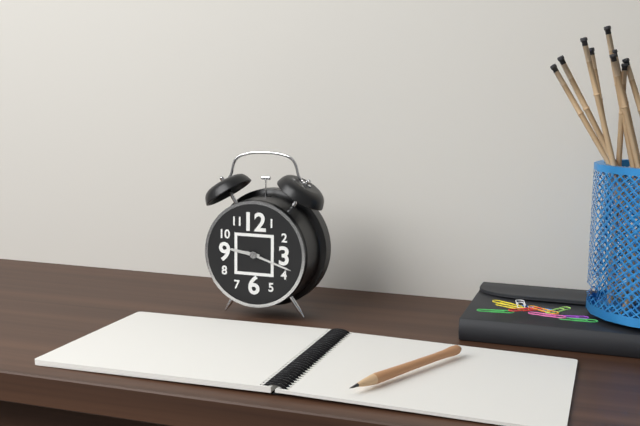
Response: 9:18
